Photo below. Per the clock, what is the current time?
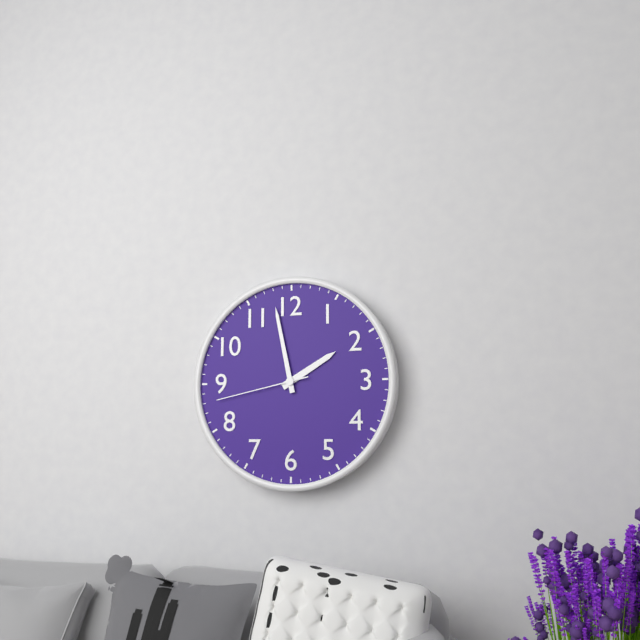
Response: 1:58:43
